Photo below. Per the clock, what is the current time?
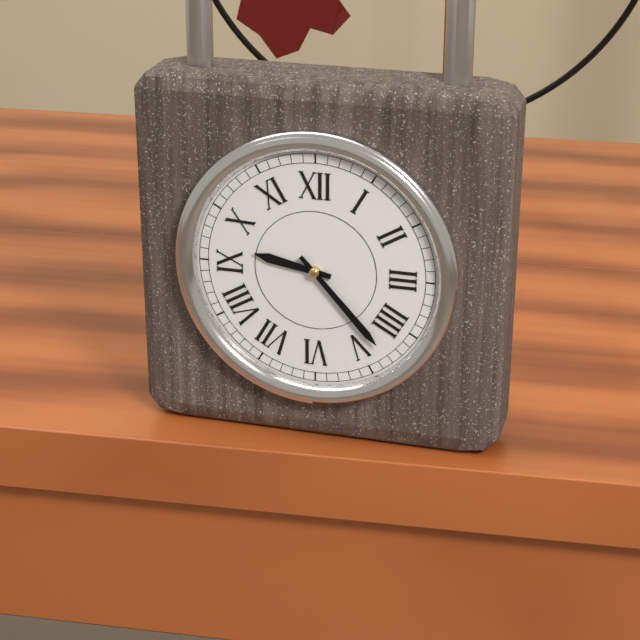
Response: 9:23
